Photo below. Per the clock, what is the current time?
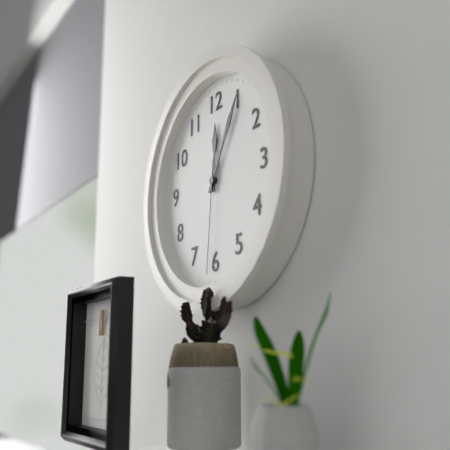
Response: 12:05:31
